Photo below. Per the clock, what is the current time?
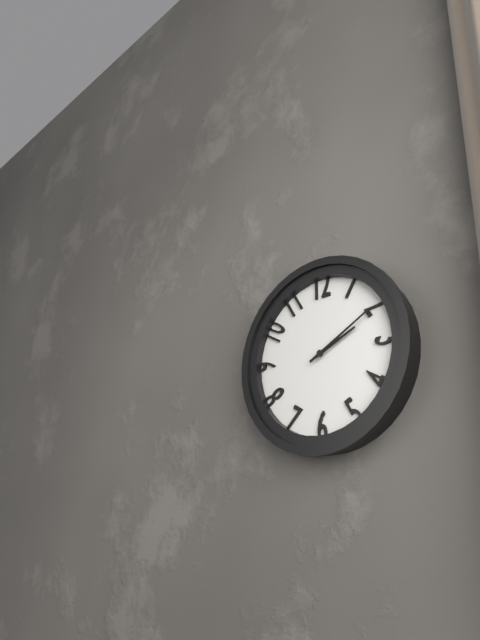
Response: 2:10
